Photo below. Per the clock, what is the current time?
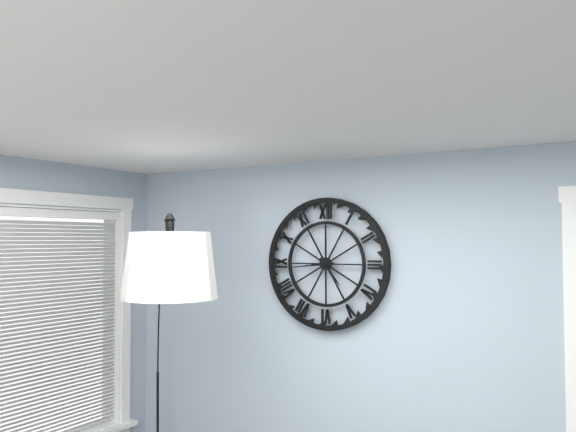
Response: 4:44
